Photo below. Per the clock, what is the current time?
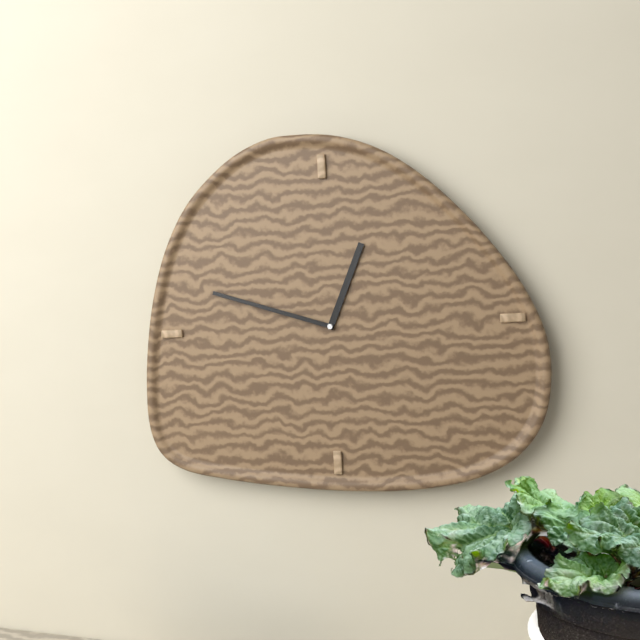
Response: 12:48
